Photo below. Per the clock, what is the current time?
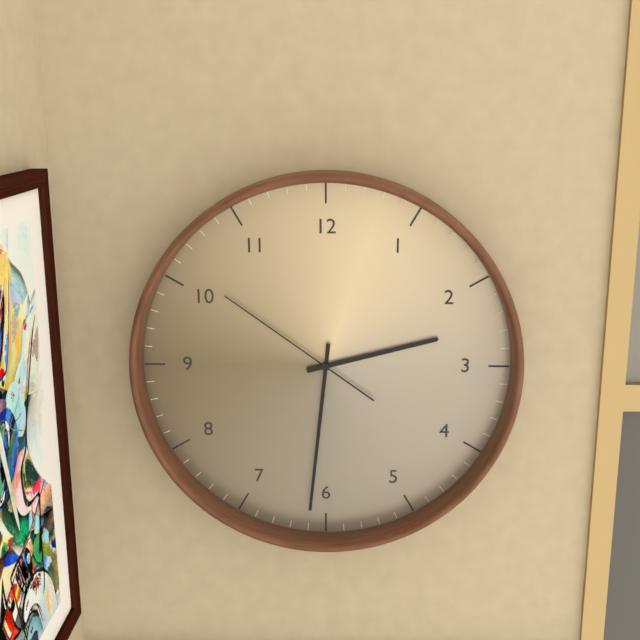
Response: 2:31:51
